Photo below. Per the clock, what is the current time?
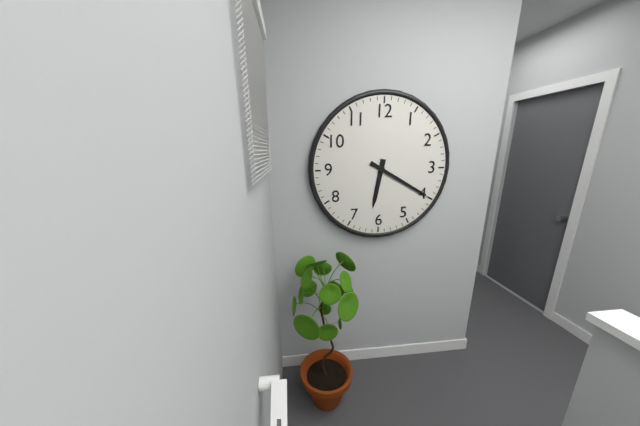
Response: 6:20
